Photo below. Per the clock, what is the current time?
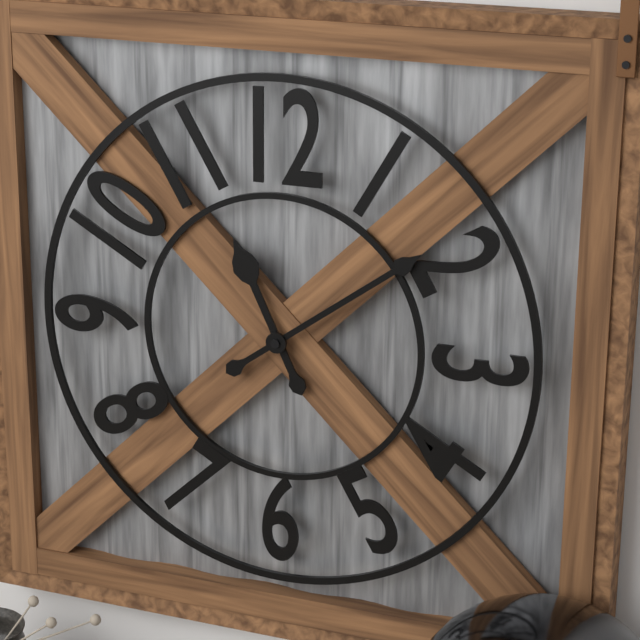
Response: 11:09
